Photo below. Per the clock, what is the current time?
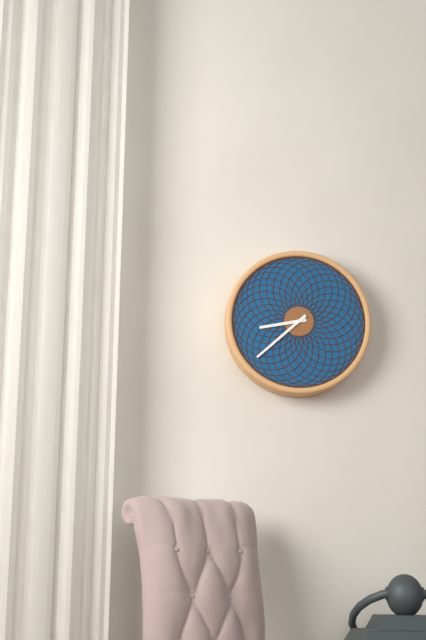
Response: 8:38
